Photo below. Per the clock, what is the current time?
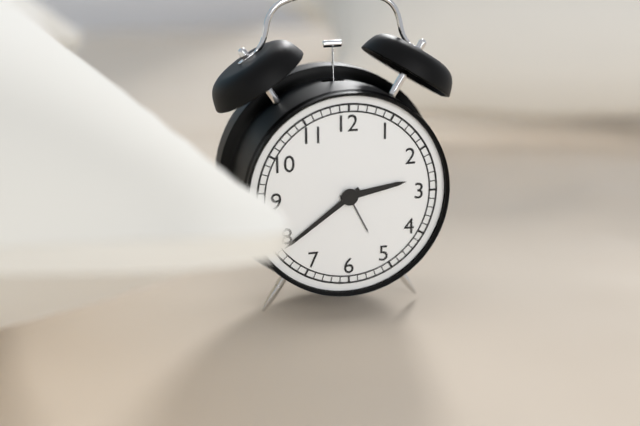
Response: 2:39
